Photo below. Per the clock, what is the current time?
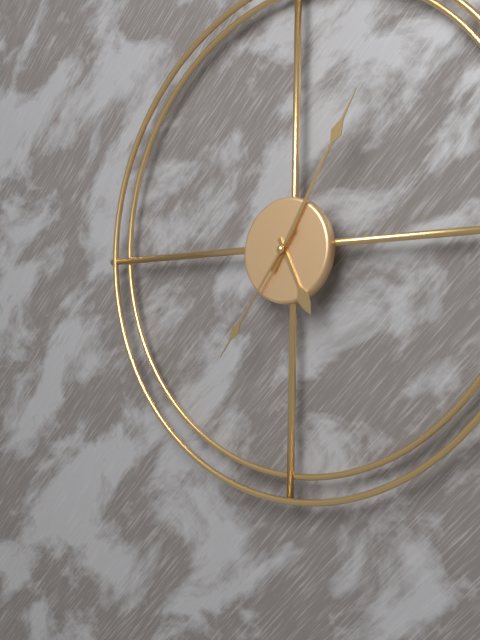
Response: 5:05:36
